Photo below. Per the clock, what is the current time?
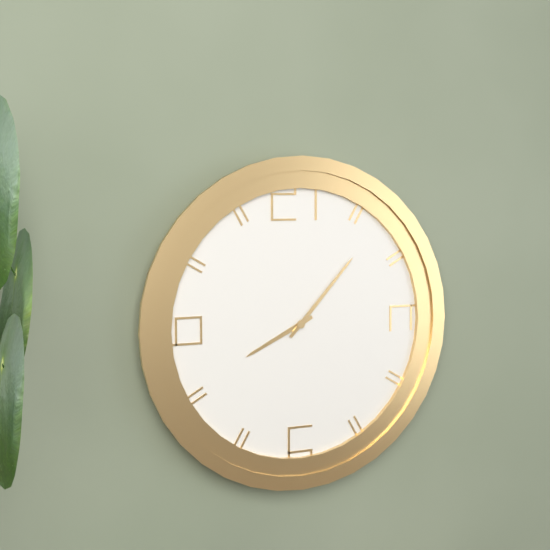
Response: 8:07
